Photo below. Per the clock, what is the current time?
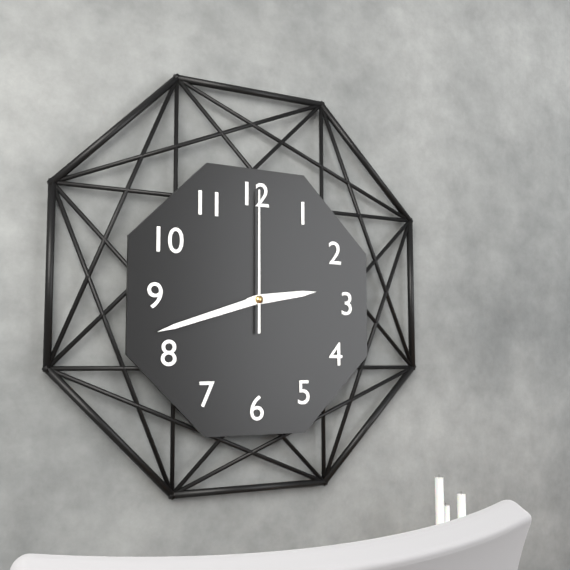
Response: 2:42:00
